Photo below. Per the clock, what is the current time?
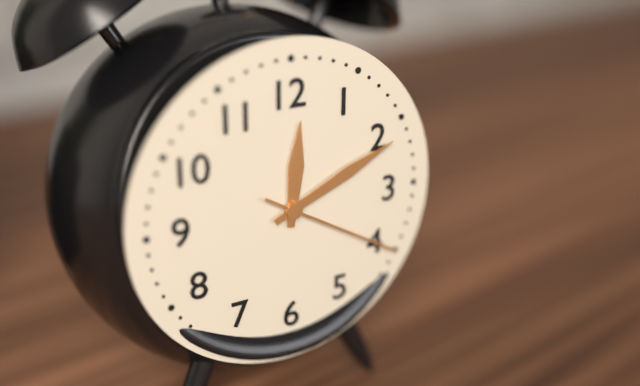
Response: 12:11:20
